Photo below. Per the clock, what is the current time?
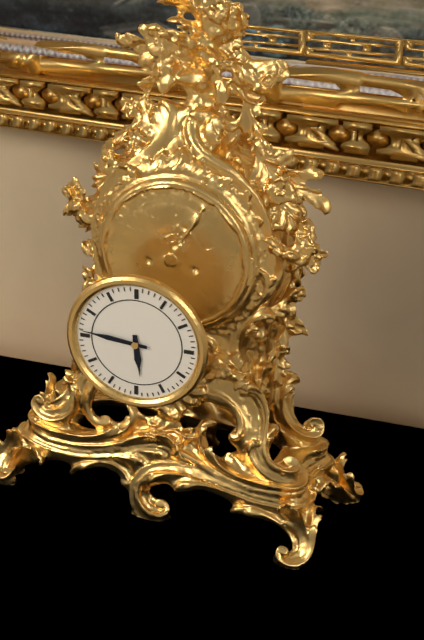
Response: 5:46
